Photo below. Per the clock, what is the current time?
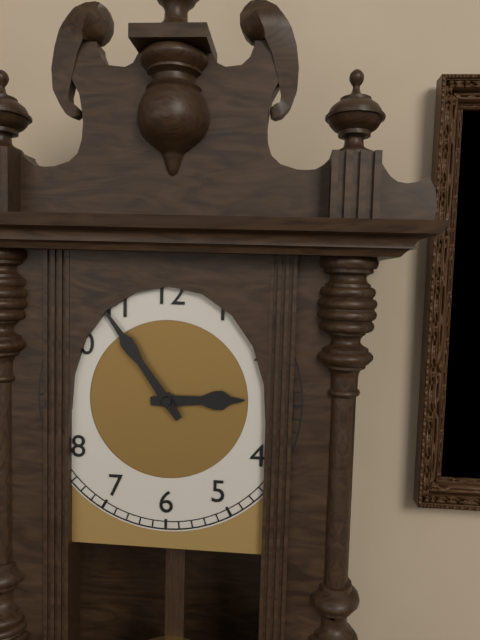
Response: 2:54
